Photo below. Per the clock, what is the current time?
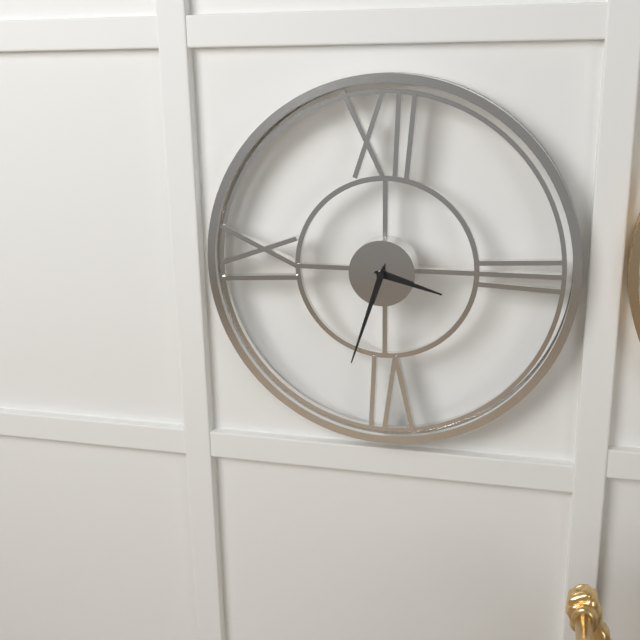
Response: 3:33
